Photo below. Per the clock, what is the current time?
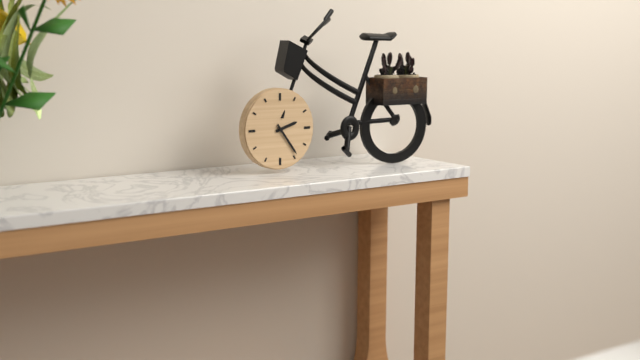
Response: 2:24
